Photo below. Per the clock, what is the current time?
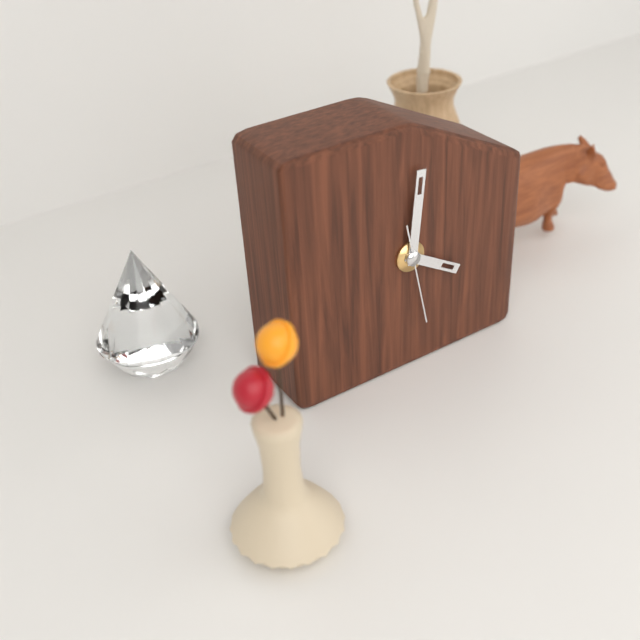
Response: 4:01:28
